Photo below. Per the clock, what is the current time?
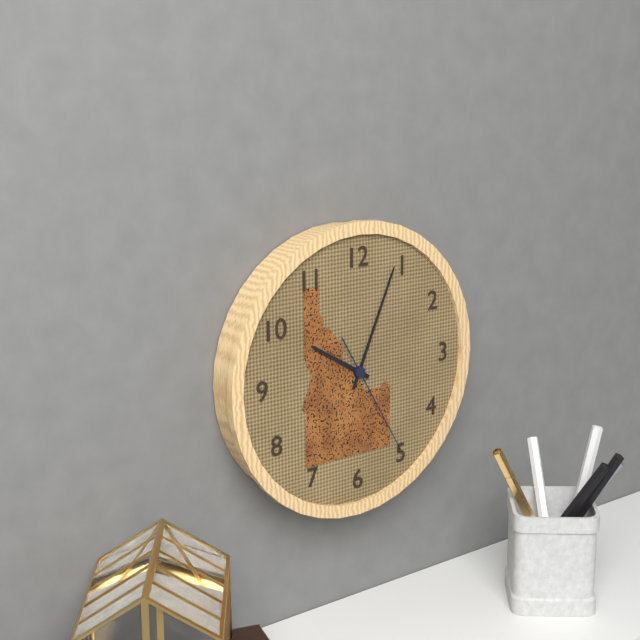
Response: 10:04:25
